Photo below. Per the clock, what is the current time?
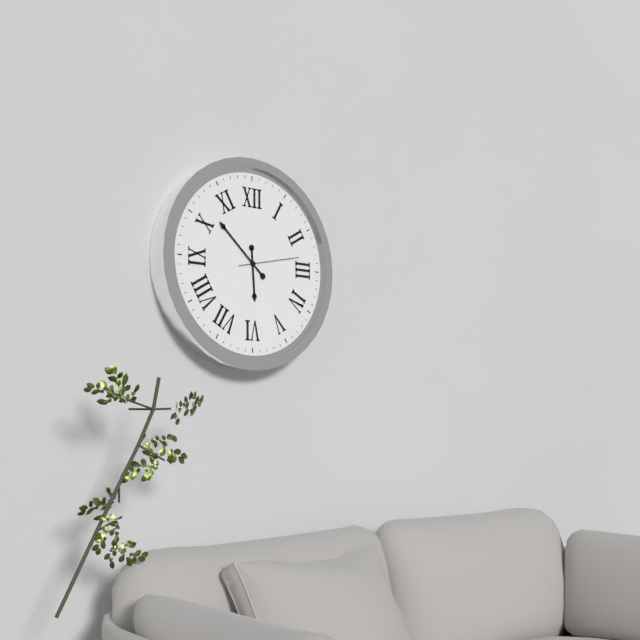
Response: 5:52:13
